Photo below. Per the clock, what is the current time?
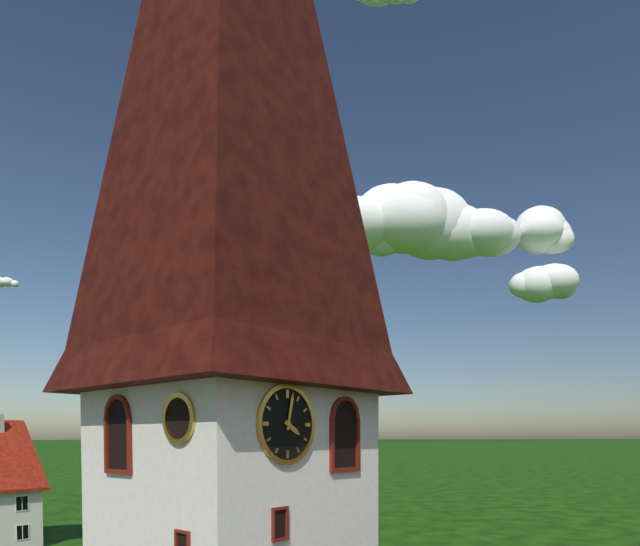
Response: 4:02
